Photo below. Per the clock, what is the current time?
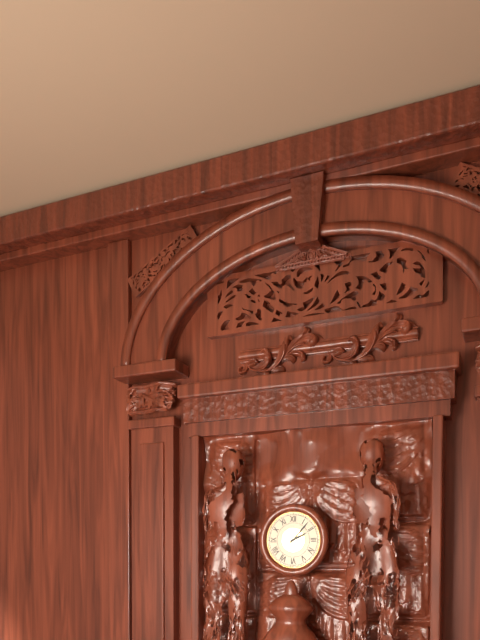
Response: 2:07
